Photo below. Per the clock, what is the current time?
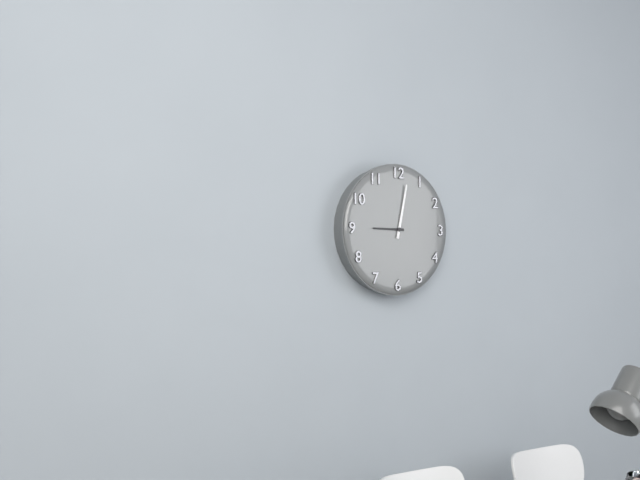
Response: 9:02
